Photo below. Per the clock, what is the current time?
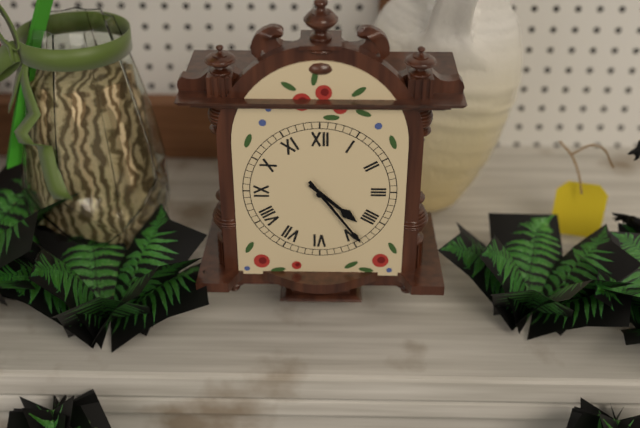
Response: 4:24
